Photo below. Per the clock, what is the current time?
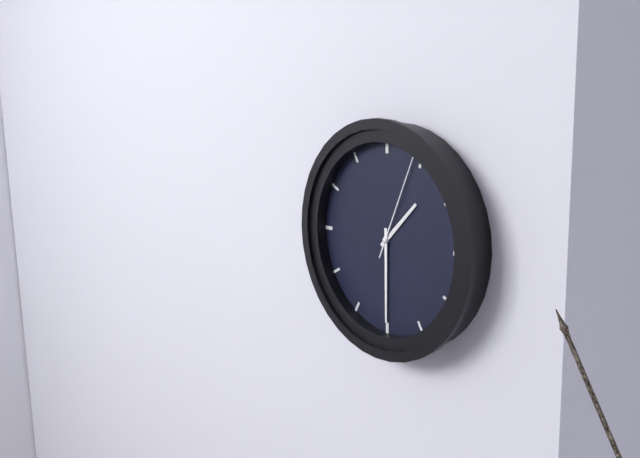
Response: 1:30:04
